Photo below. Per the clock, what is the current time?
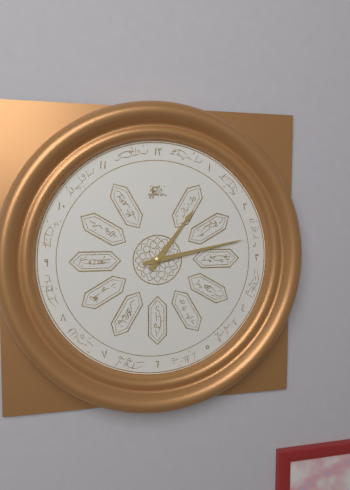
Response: 1:13
